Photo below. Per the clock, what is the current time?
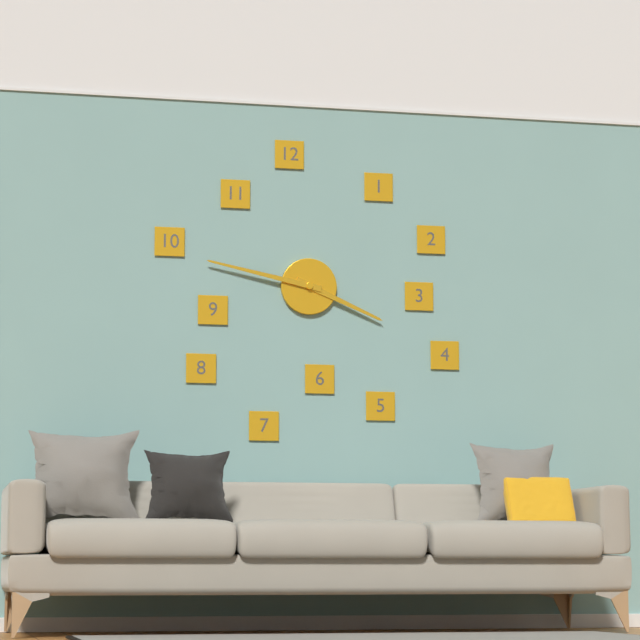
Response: 3:47
